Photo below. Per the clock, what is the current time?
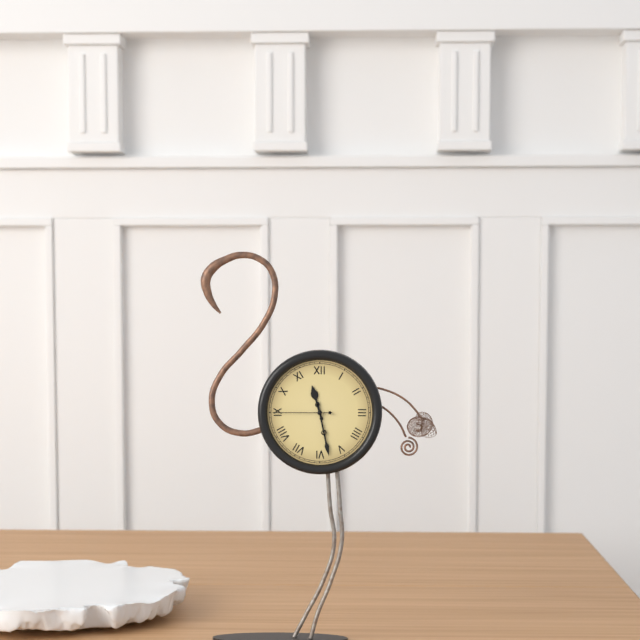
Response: 11:28:45
